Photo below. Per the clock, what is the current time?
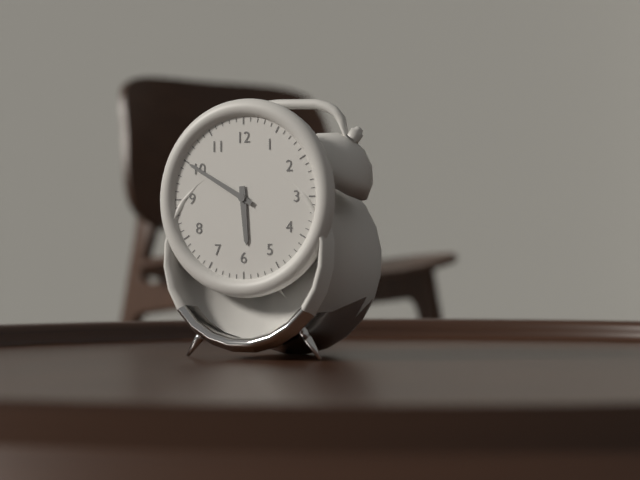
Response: 5:50
